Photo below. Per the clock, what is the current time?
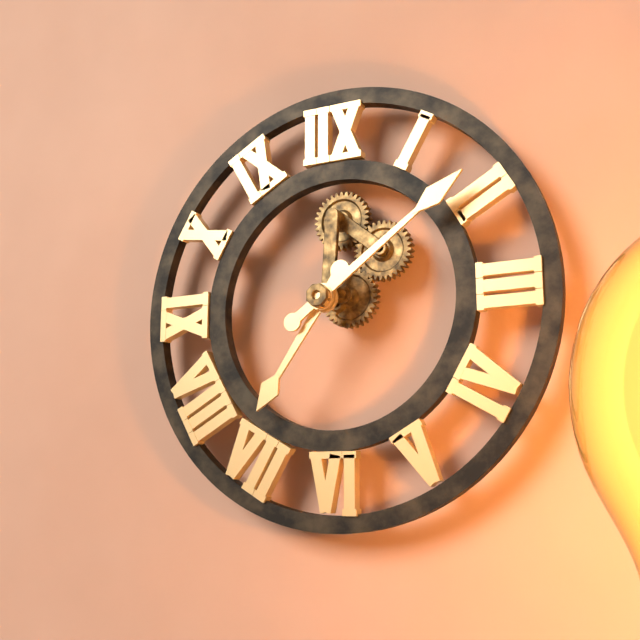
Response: 7:09
